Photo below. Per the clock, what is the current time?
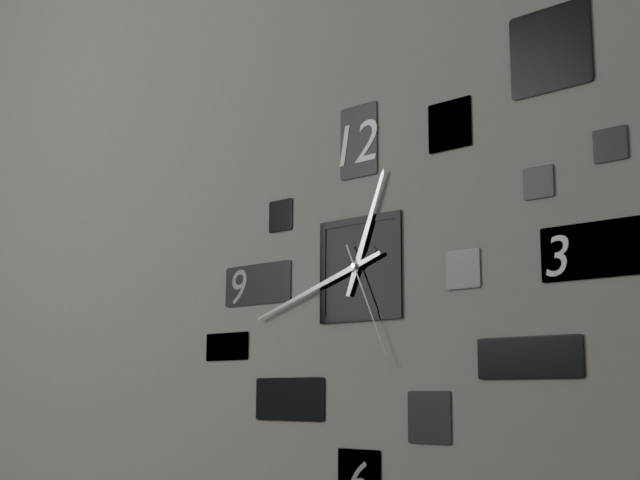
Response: 12:42:26
